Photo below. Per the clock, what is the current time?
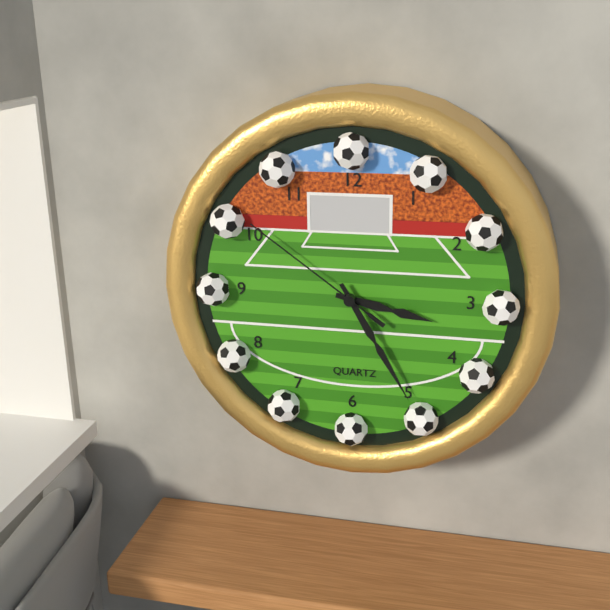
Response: 3:25:51
